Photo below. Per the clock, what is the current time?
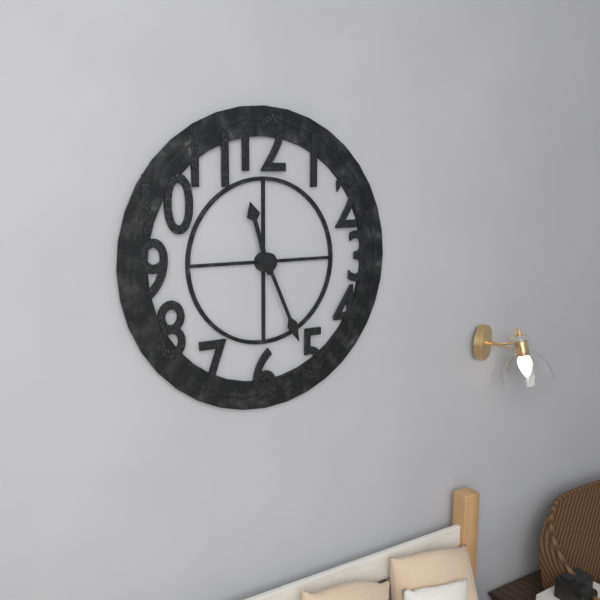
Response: 11:26
